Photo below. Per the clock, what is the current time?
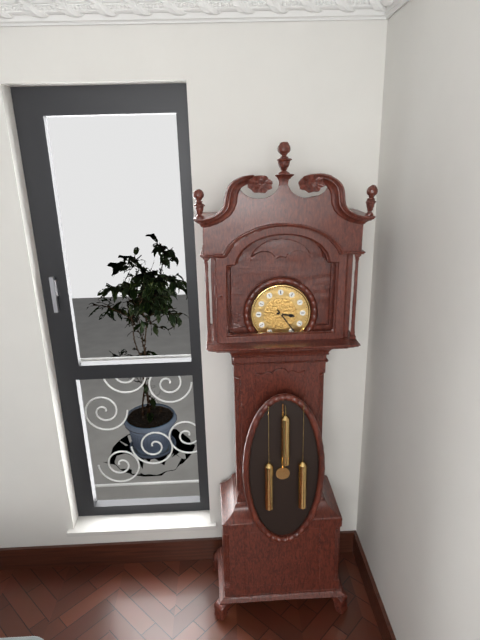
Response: 3:24
